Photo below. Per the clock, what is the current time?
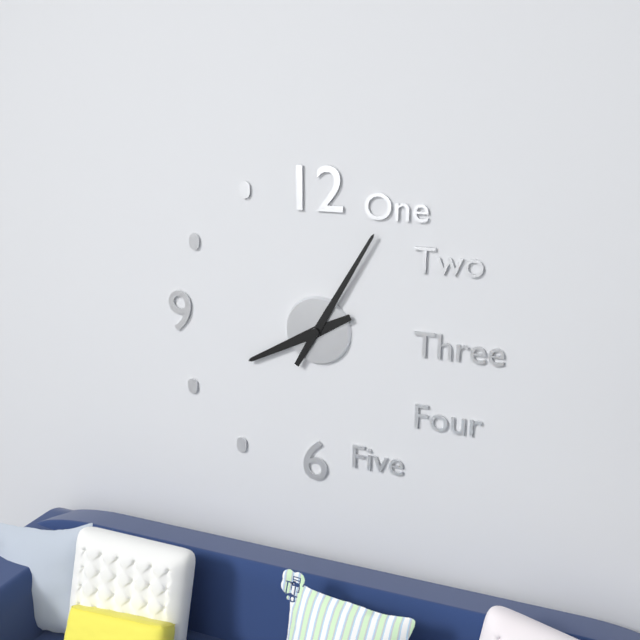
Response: 8:05
